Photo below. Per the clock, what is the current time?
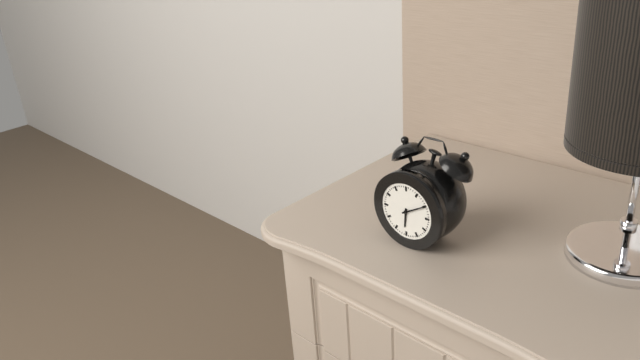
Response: 6:10
